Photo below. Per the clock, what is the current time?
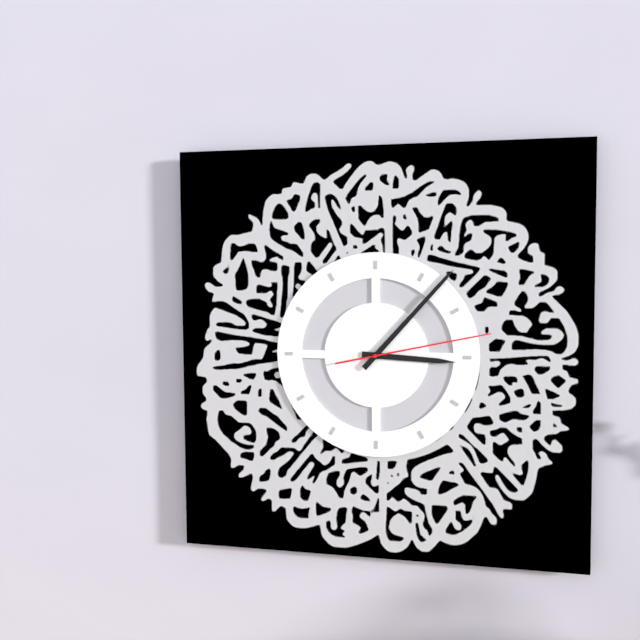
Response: 3:07:13
